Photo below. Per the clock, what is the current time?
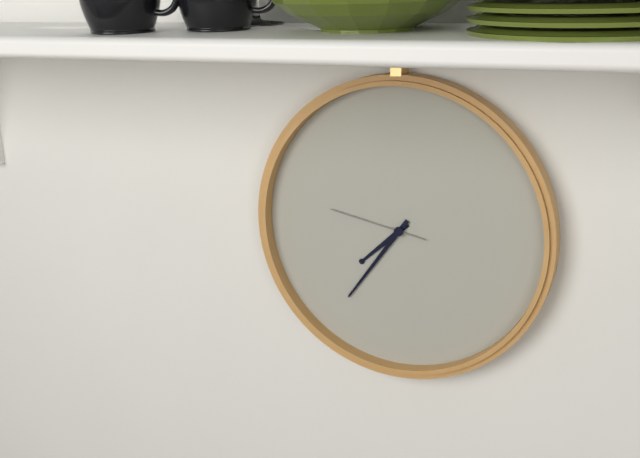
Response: 7:36:47
